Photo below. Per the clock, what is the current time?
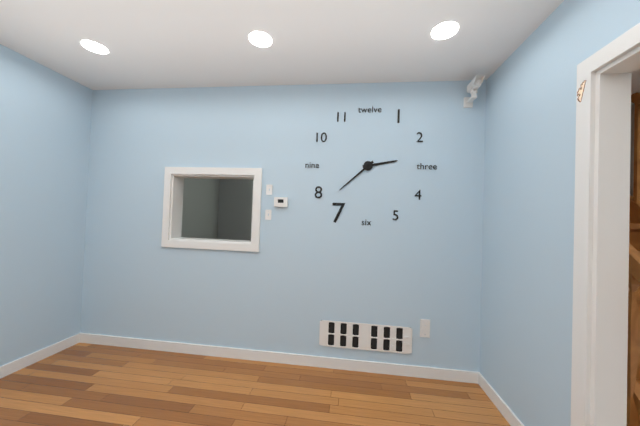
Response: 2:38
